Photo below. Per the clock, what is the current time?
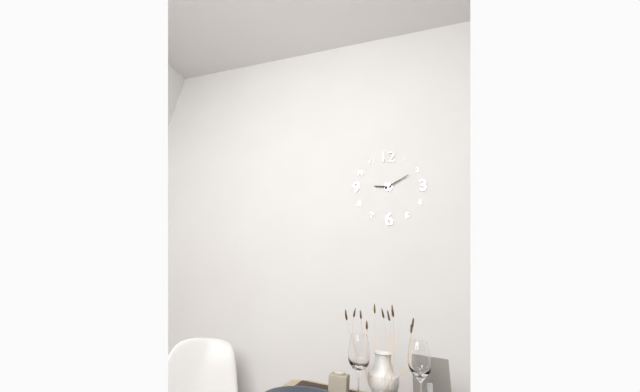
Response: 9:10
